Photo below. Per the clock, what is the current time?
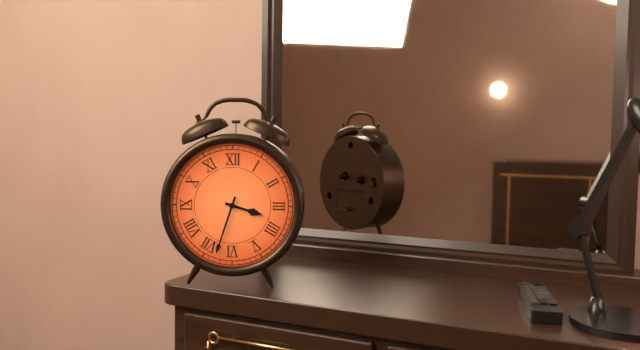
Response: 3:33
